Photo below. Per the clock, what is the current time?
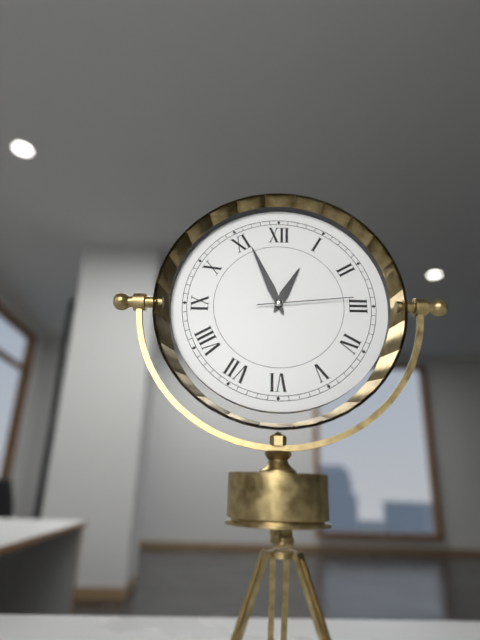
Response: 12:56:14
